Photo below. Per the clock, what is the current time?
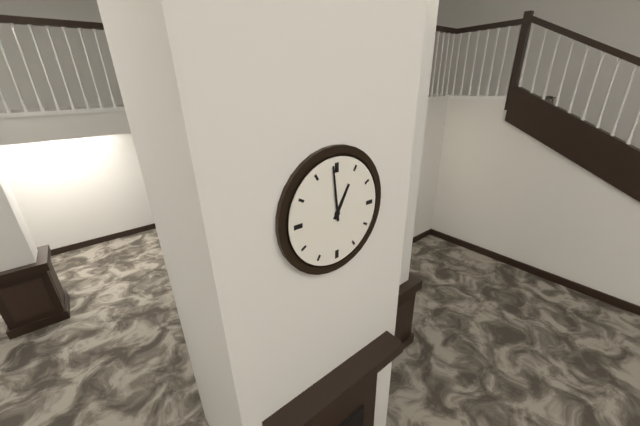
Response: 12:59
